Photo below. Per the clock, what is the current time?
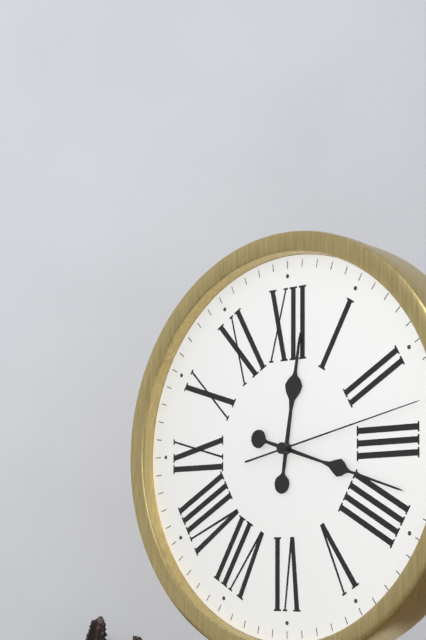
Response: 12:18:13
